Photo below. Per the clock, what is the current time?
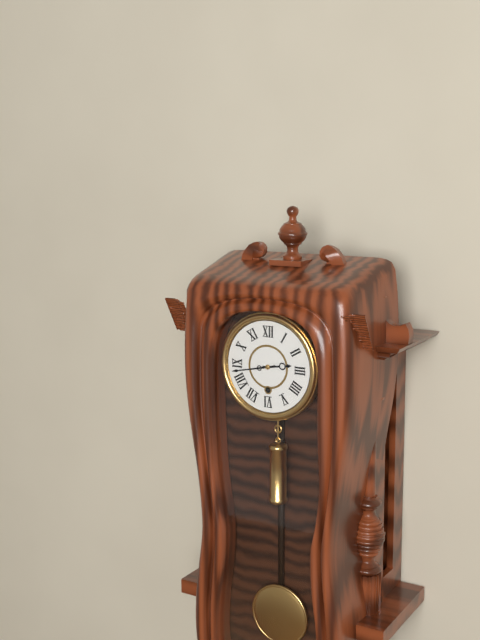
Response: 2:43
